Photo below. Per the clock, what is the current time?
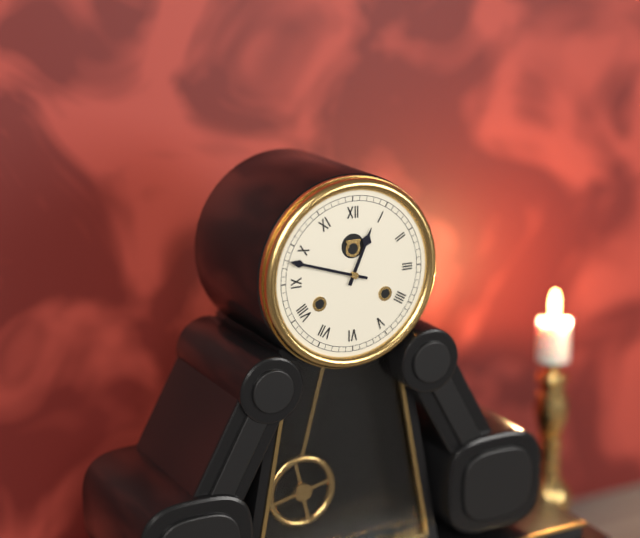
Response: 12:48
